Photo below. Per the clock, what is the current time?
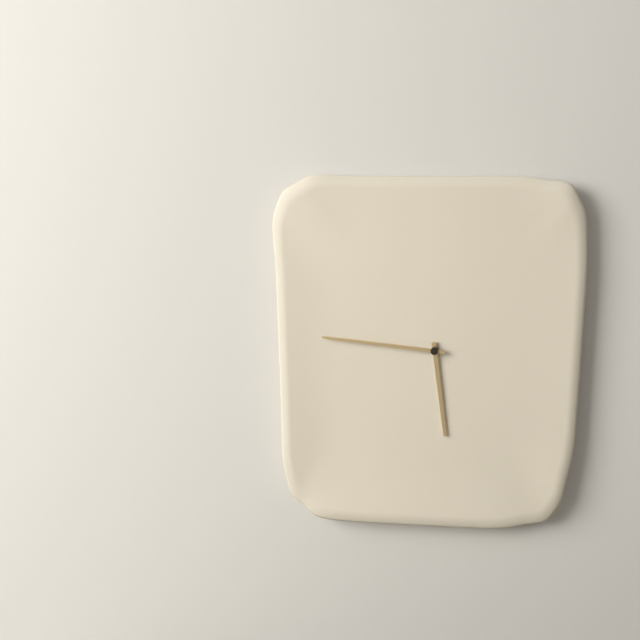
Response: 5:46
